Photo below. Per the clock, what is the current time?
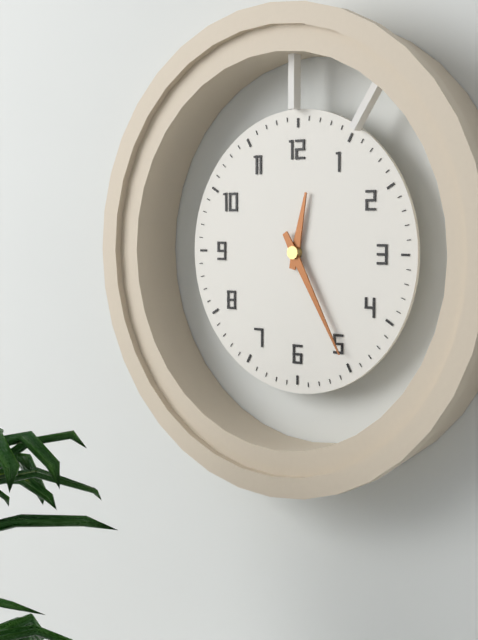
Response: 12:25
